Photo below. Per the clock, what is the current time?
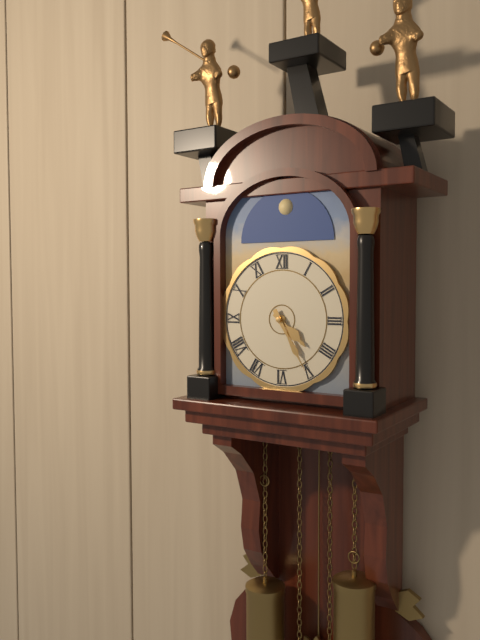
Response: 4:25
